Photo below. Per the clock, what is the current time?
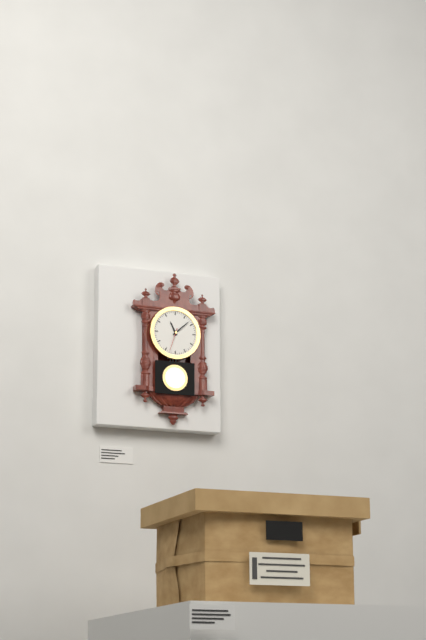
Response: 11:08
